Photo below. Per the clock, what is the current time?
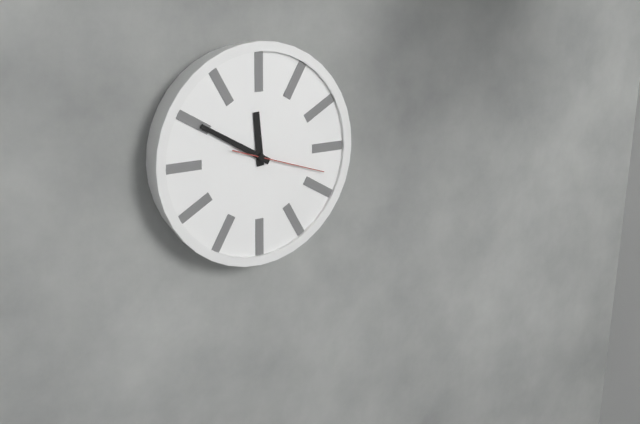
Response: 11:50:18
